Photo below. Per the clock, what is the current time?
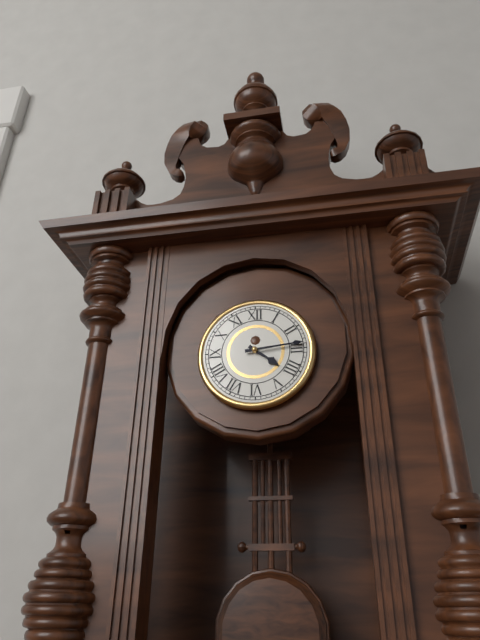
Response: 4:14
